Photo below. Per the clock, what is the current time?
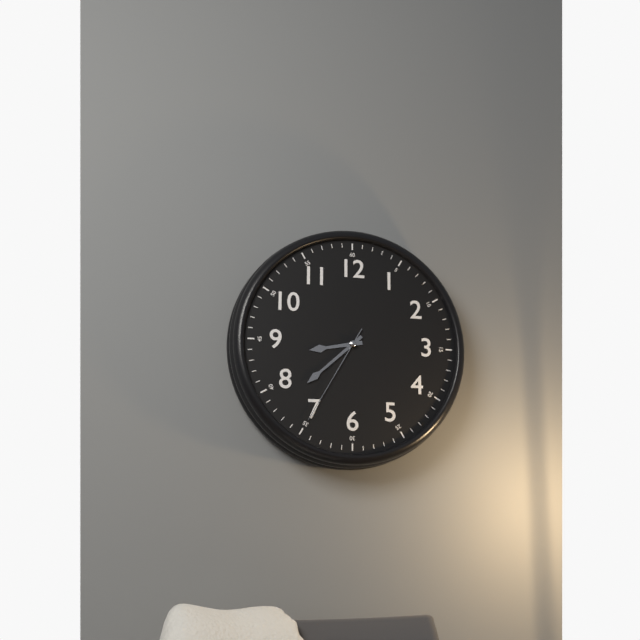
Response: 8:38:35
